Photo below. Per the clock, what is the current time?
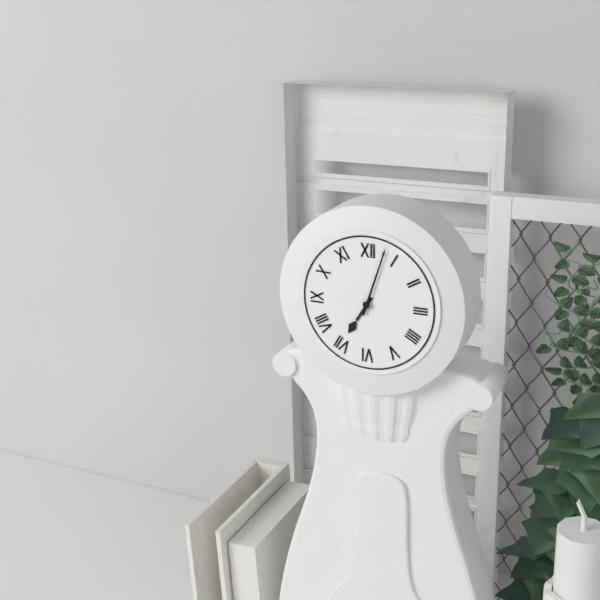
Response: 7:03
